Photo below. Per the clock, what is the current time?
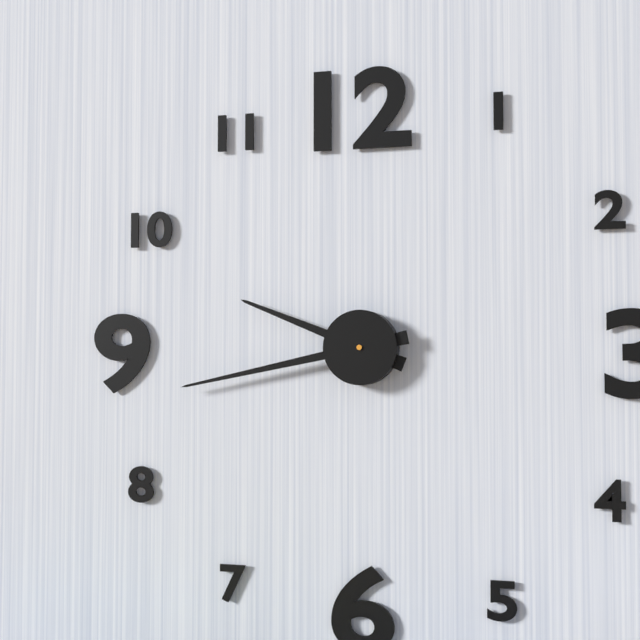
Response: 9:43
